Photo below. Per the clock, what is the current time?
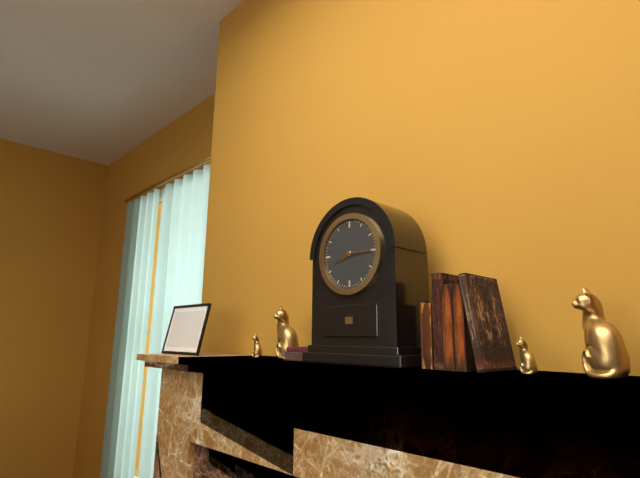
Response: 8:15
